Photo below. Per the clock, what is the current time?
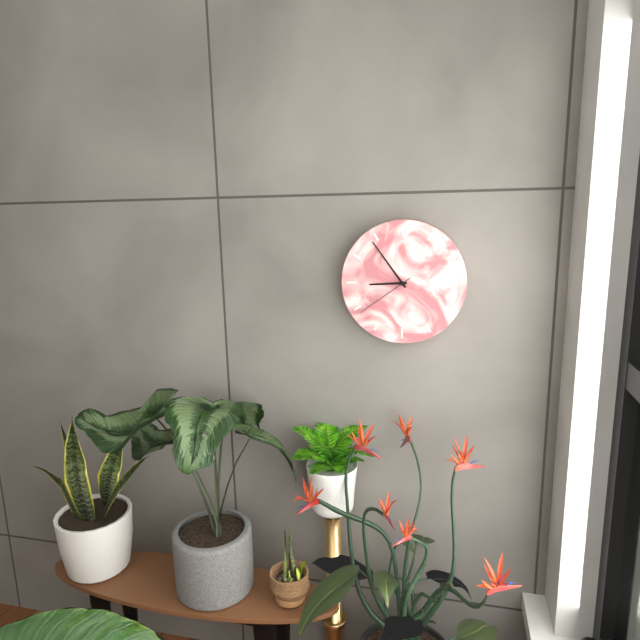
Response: 8:54:39
